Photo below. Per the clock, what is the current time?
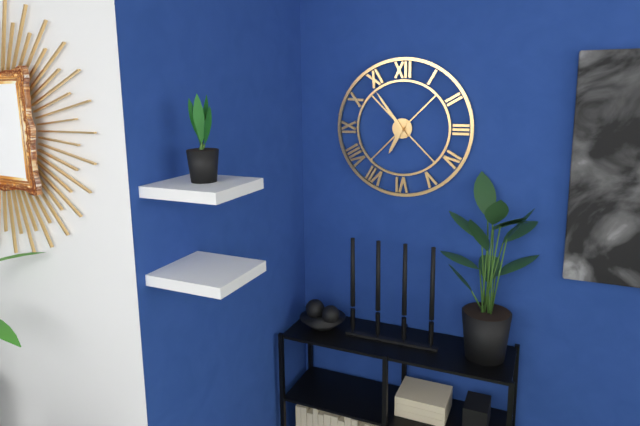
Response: 6:54
